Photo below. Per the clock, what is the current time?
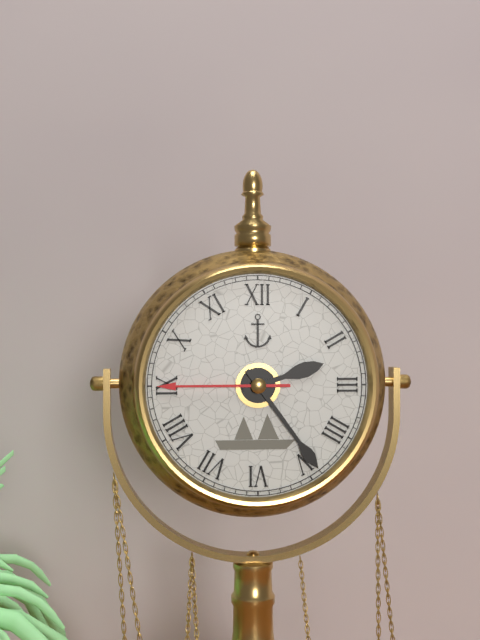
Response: 2:24:45
